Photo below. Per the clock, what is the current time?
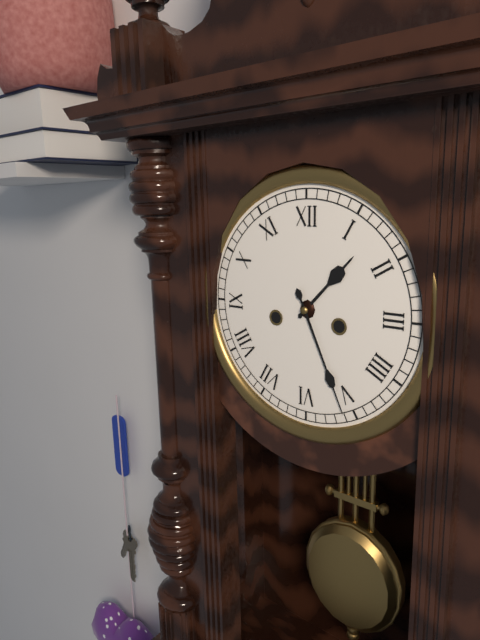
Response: 1:26
